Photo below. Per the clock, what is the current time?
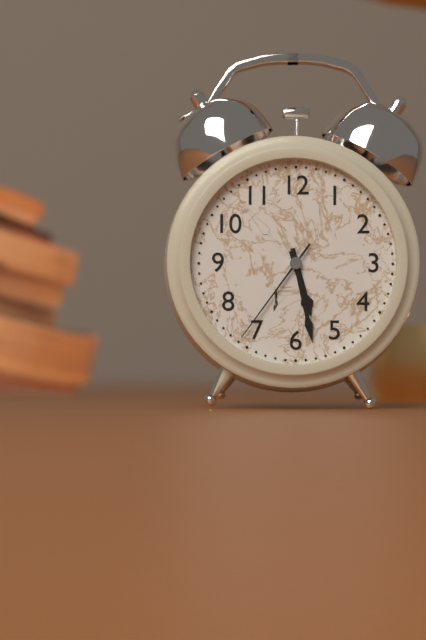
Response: 5:28:36
